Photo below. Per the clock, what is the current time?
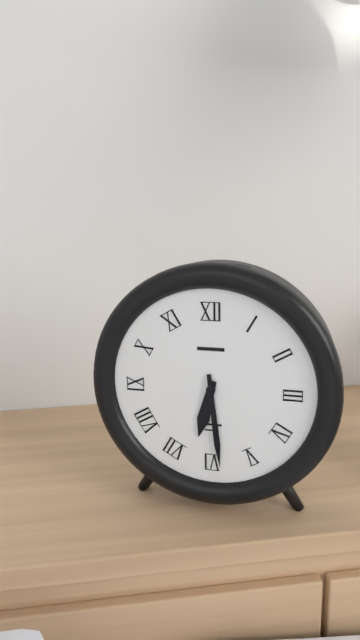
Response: 6:29
